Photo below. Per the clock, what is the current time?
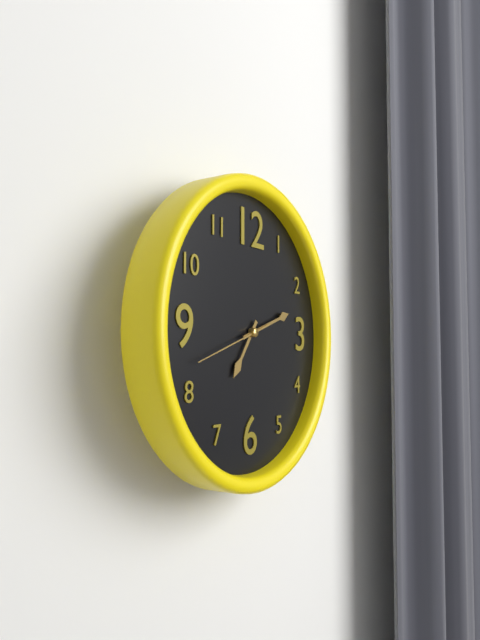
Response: 7:12:42
